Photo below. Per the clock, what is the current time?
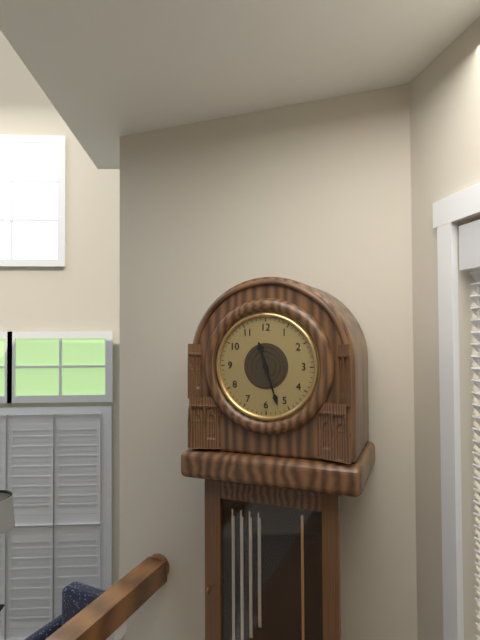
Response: 11:27
